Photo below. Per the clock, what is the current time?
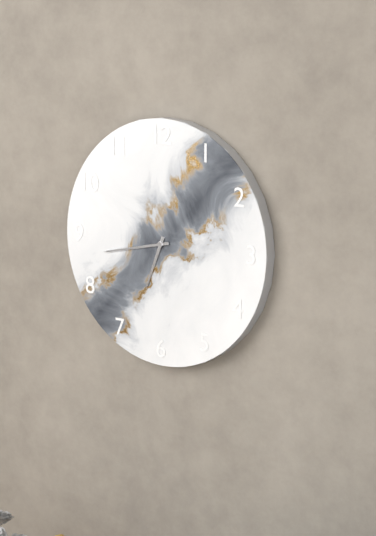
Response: 6:43
